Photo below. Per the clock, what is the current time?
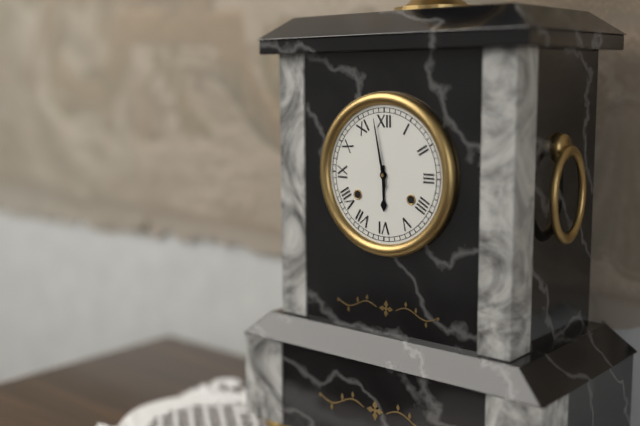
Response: 5:58
